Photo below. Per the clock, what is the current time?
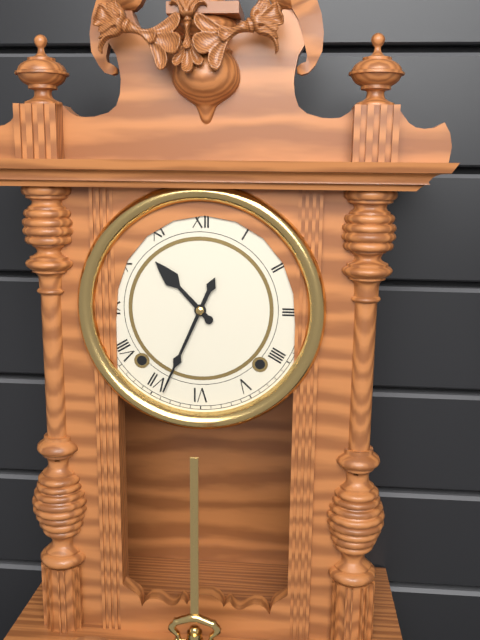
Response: 10:34
